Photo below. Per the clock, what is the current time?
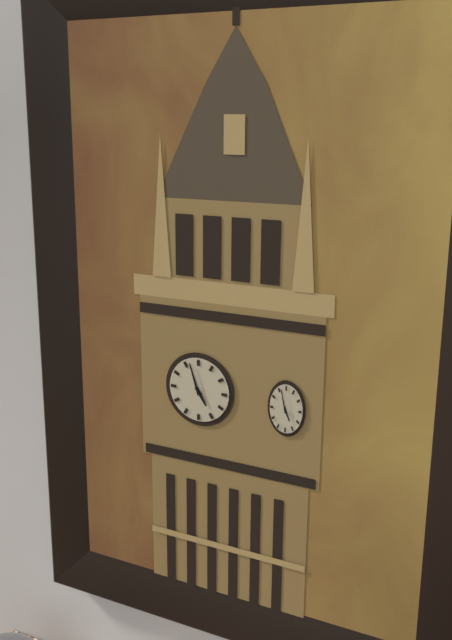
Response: 4:57
